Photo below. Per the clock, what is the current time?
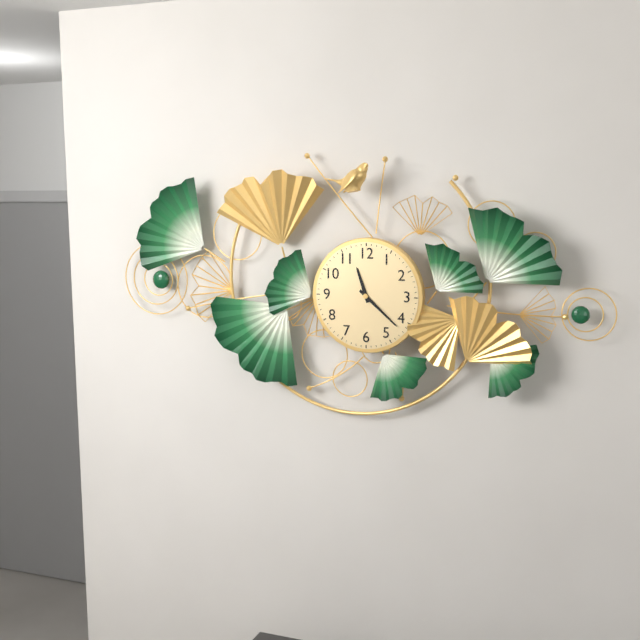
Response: 11:22
